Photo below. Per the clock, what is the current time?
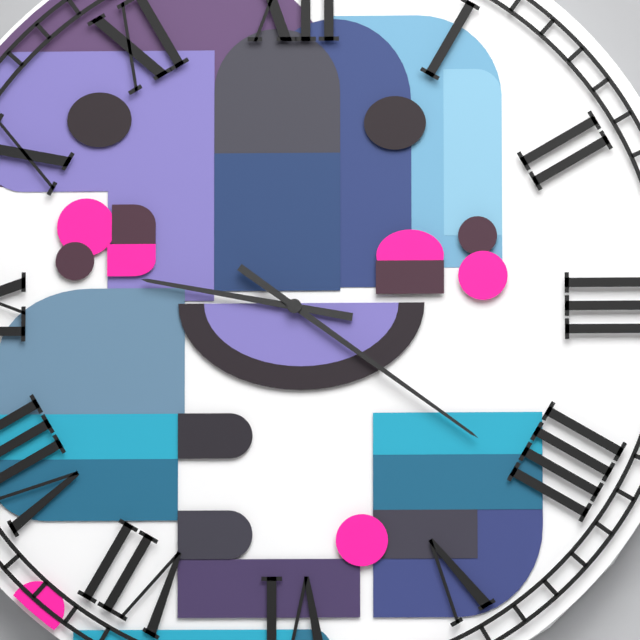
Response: 9:21
